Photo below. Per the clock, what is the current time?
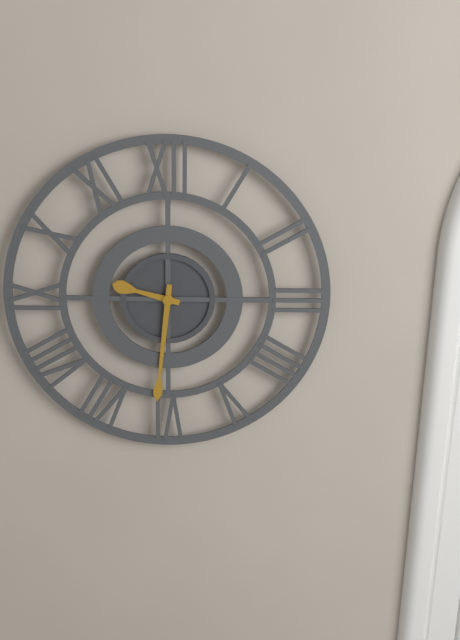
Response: 9:31
